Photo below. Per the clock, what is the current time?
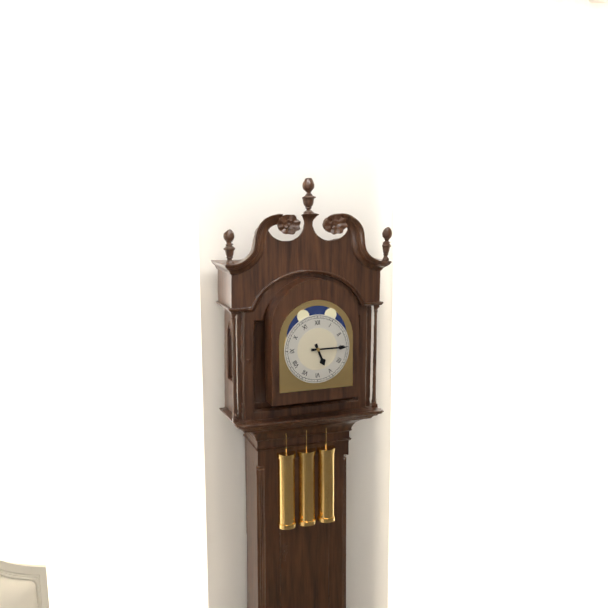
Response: 5:15
